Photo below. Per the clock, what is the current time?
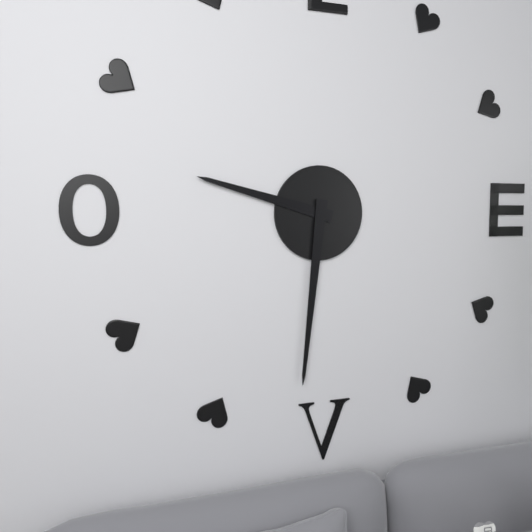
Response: 9:31
